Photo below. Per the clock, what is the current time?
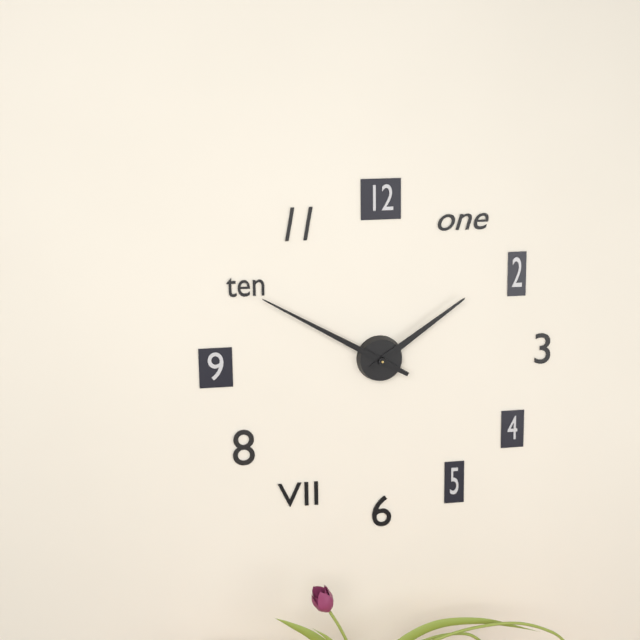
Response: 1:50
